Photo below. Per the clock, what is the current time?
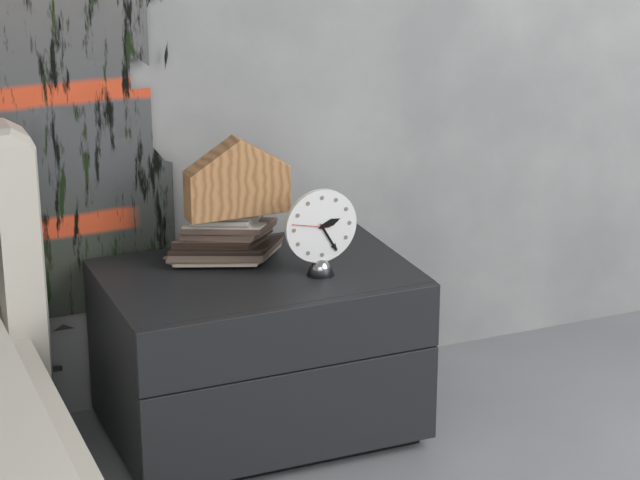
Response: 2:25
